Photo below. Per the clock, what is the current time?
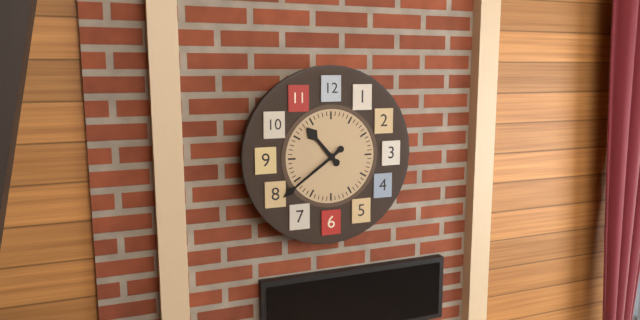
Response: 10:39
